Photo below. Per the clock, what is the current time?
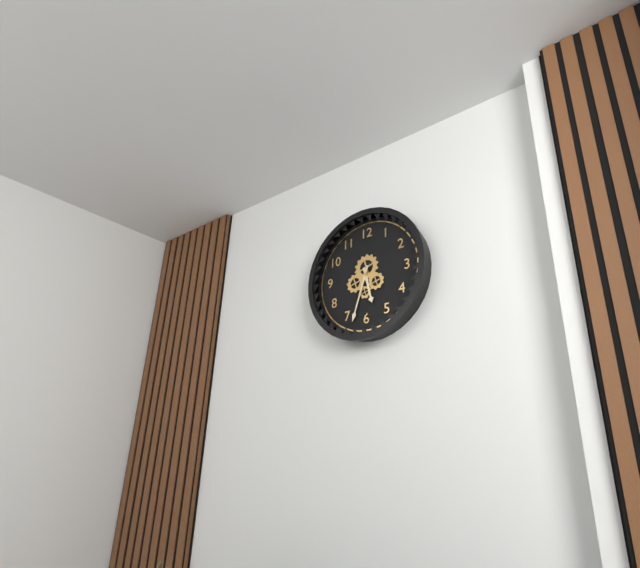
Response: 5:33
